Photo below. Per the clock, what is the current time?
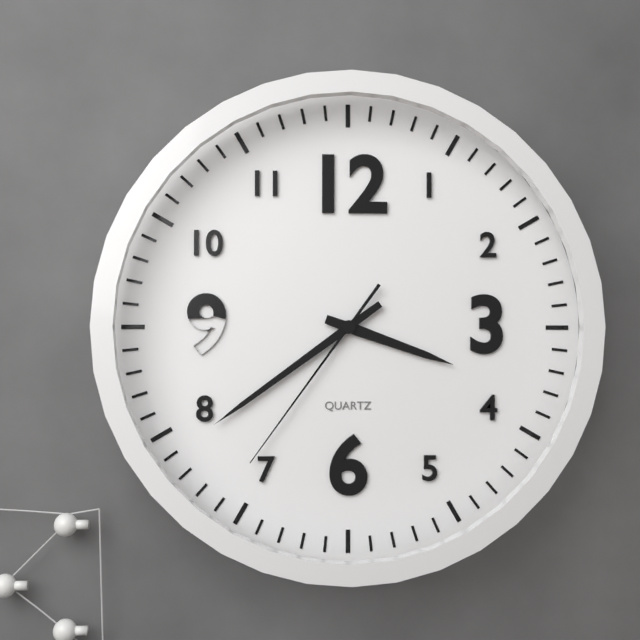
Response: 3:39:36
